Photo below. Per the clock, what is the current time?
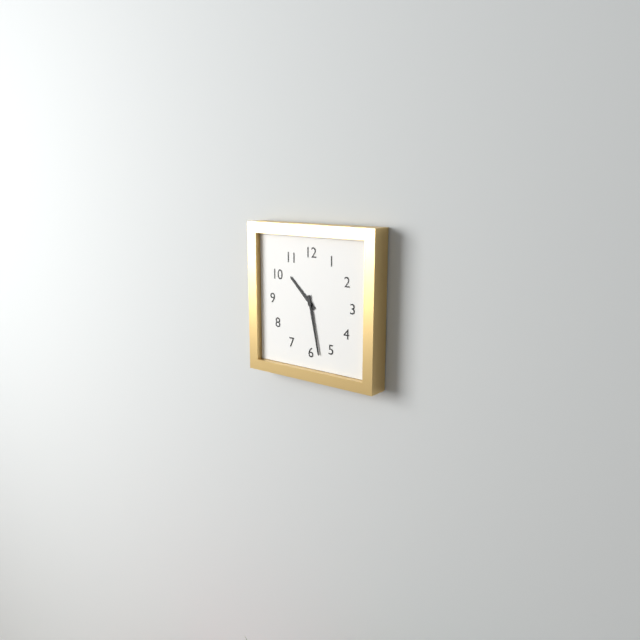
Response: 10:28
